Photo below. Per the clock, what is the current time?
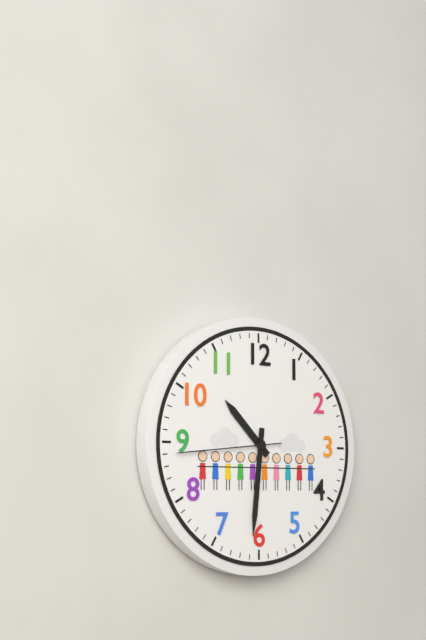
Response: 10:31:44
